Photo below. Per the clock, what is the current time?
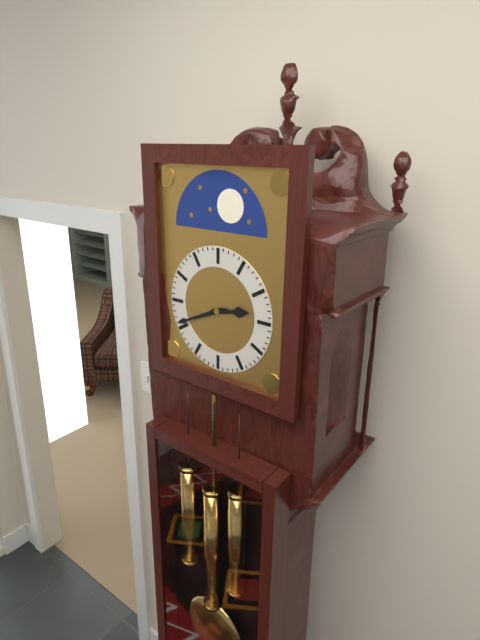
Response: 2:41
